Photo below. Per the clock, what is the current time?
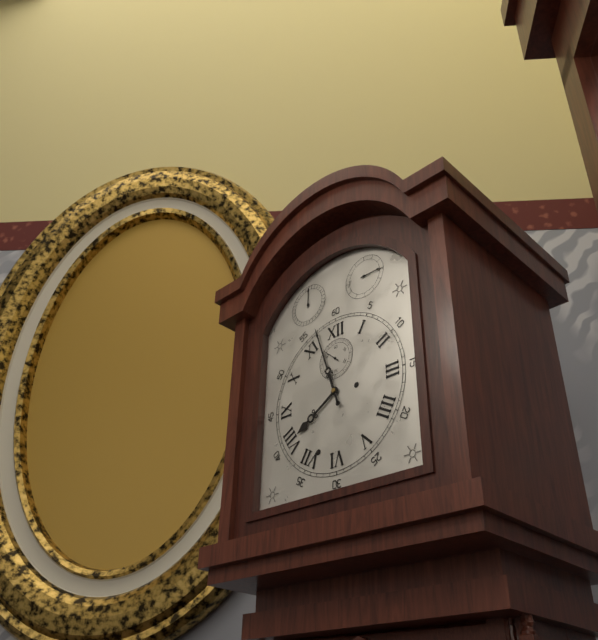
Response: 7:57
